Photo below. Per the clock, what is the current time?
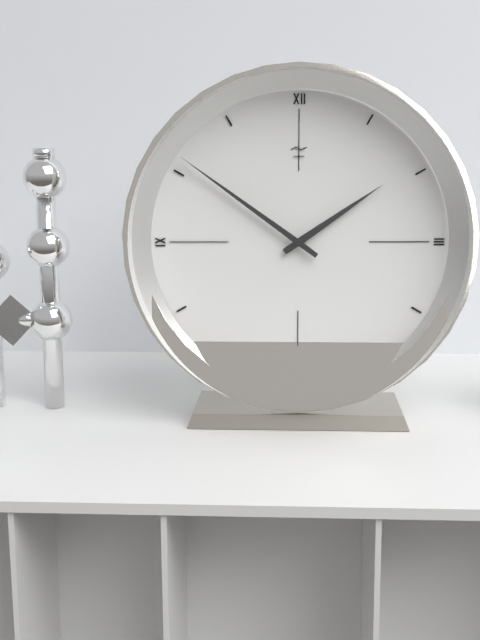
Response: 1:51
